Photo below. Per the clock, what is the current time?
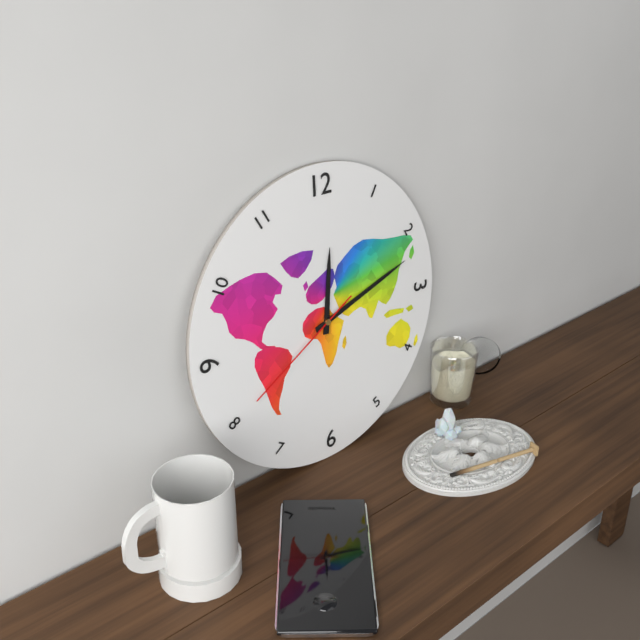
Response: 12:12:40
